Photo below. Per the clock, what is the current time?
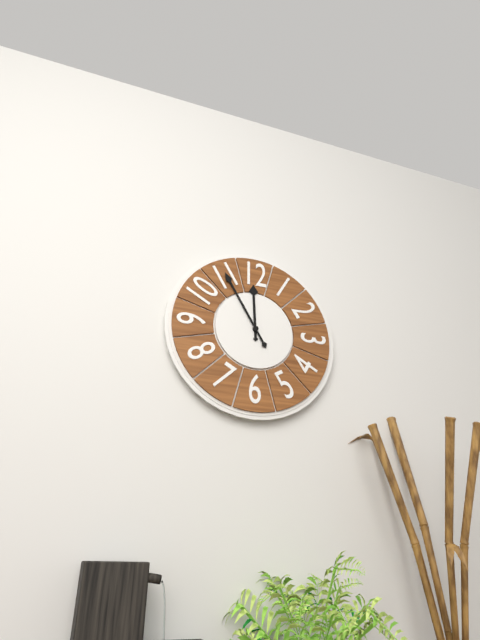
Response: 11:55
